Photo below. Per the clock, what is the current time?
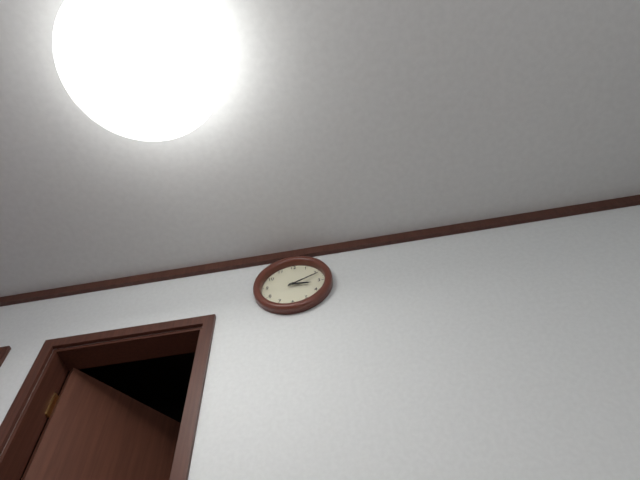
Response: 3:11
